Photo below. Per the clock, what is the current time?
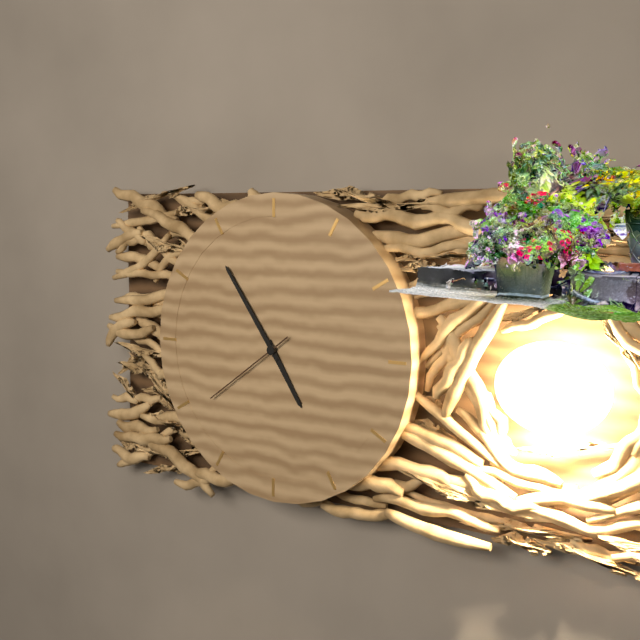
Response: 4:54:39
